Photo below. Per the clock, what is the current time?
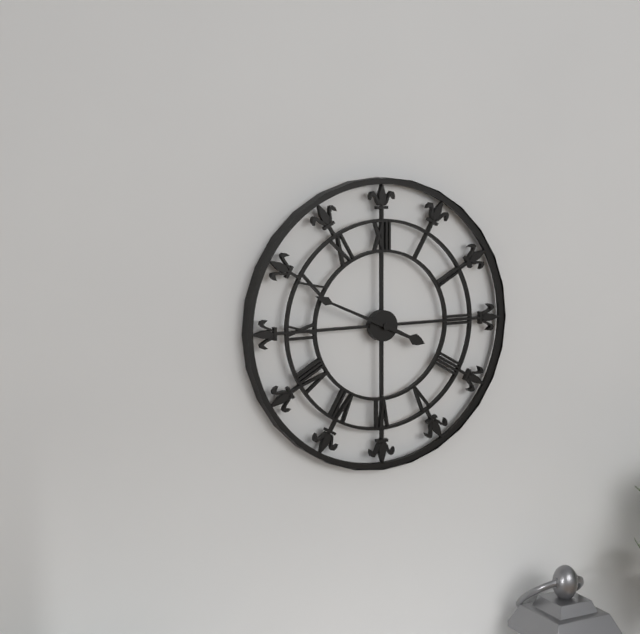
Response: 3:49
